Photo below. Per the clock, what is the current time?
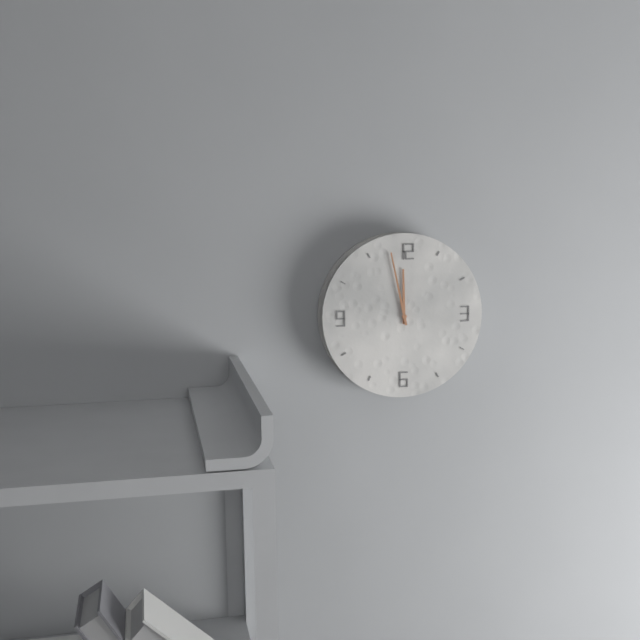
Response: 11:58
